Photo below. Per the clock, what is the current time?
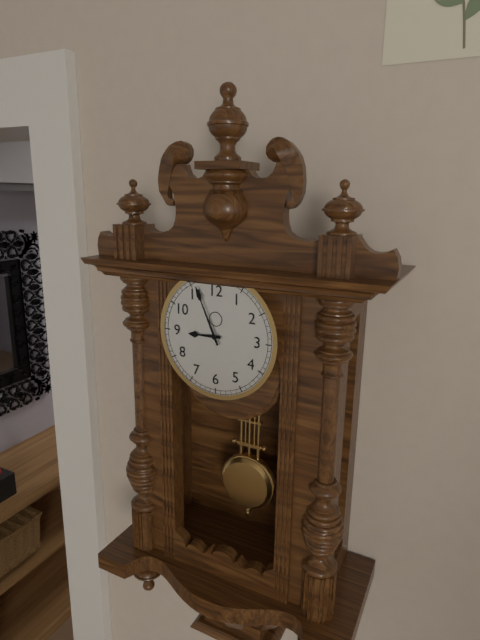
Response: 8:56
